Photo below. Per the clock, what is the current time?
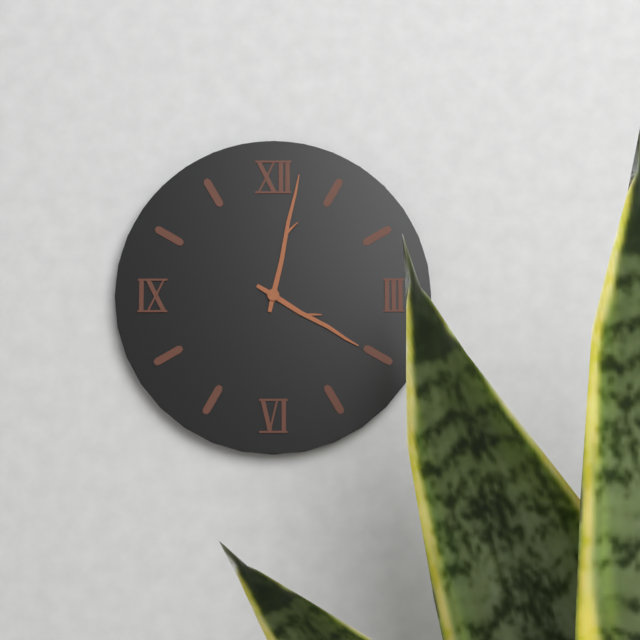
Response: 4:02
